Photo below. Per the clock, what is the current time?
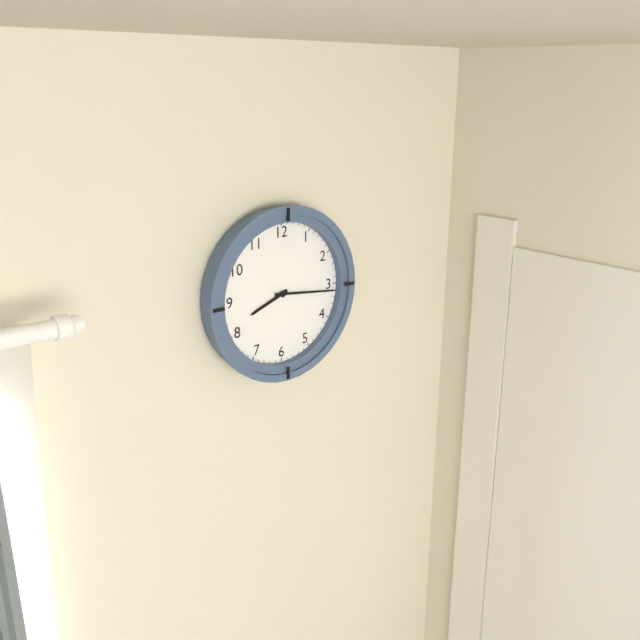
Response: 8:16
